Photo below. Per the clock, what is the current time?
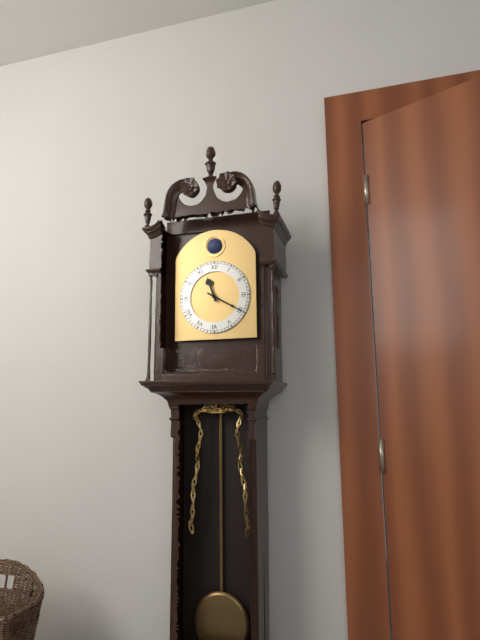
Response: 11:20
